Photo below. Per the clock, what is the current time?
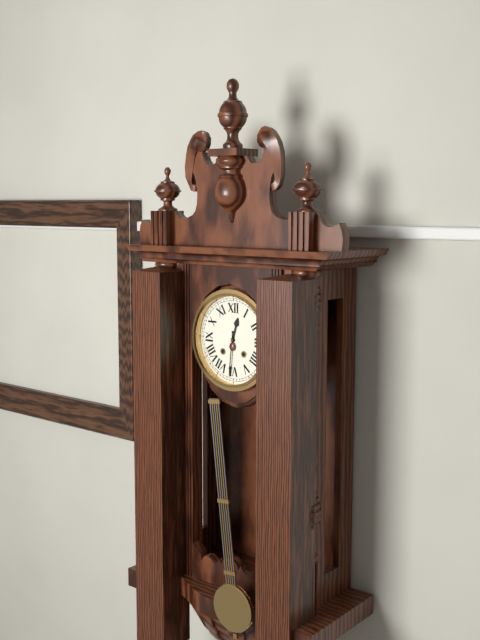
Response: 12:31
